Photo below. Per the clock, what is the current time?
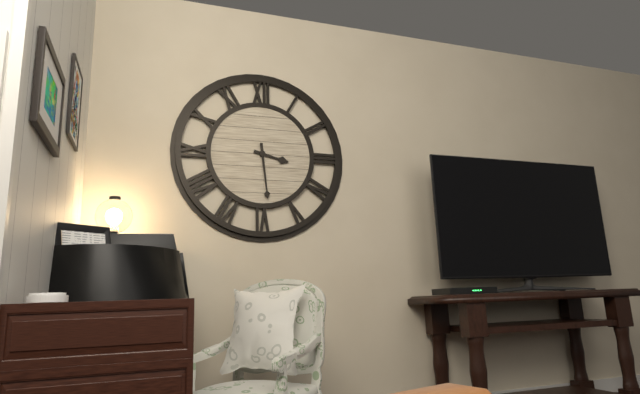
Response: 3:29
